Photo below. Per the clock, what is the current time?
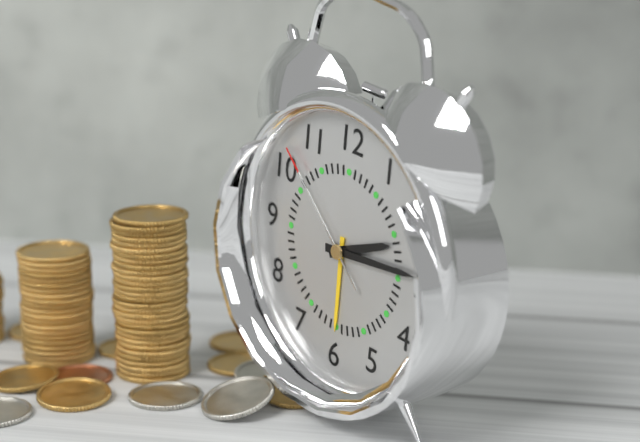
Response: 2:14:52
